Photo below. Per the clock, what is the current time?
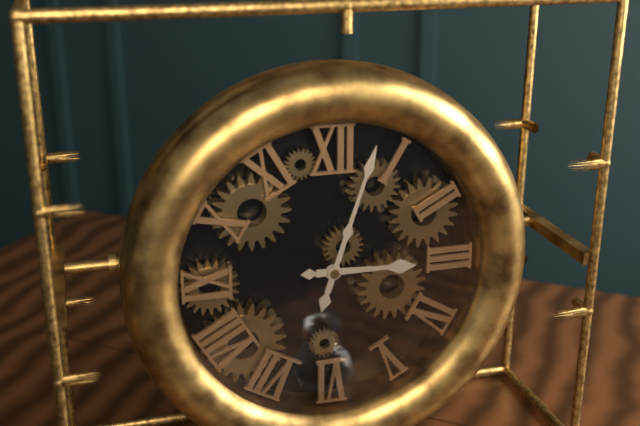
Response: 3:03
